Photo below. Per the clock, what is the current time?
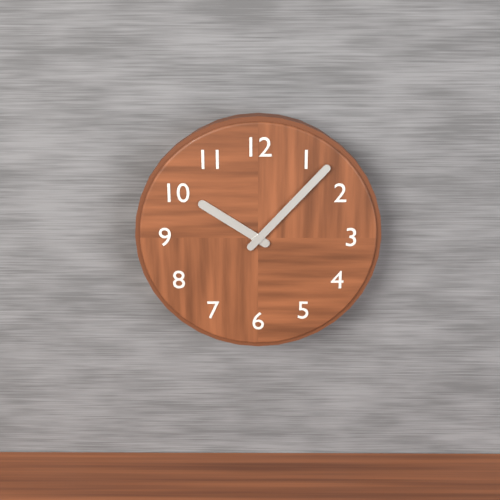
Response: 10:07
